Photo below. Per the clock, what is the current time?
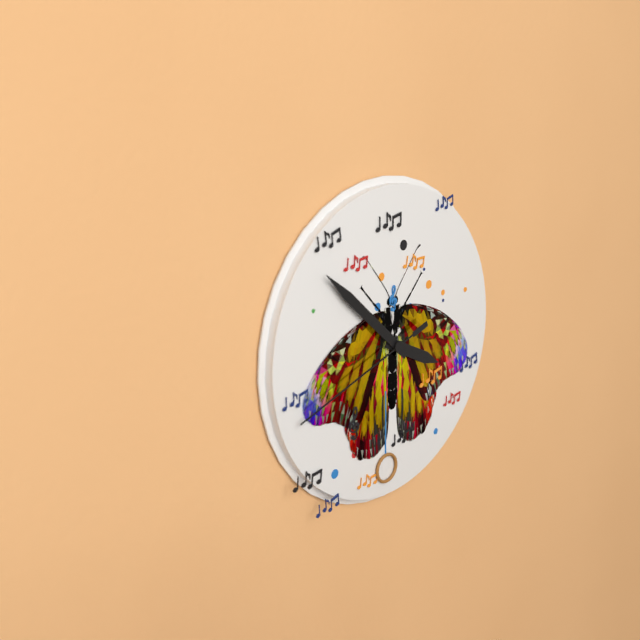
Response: 3:52:42
